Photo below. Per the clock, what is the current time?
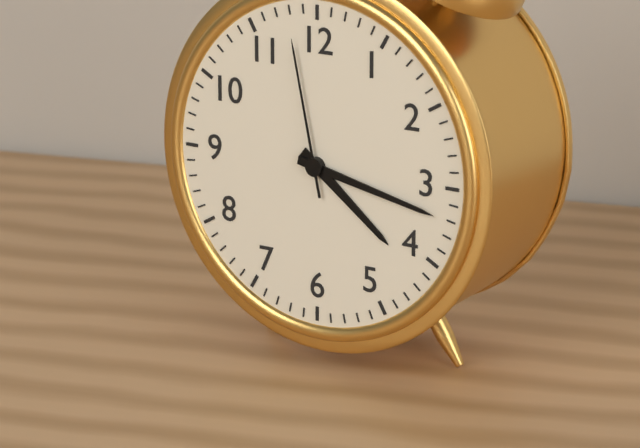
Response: 4:17:58
